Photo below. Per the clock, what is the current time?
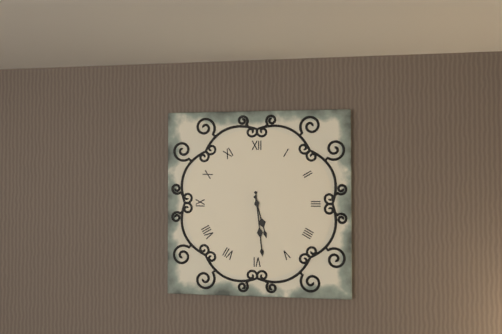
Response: 5:29
